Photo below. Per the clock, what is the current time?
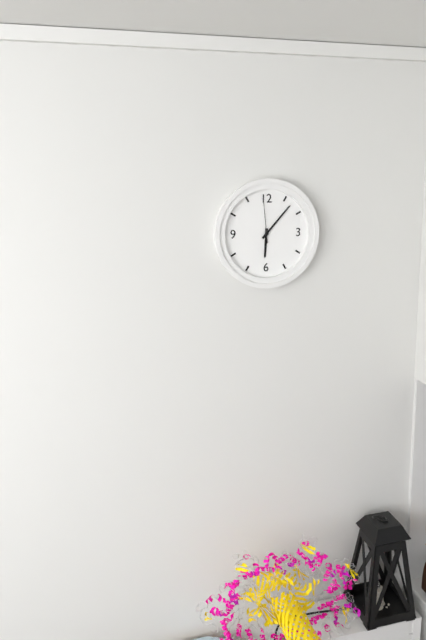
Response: 6:07
